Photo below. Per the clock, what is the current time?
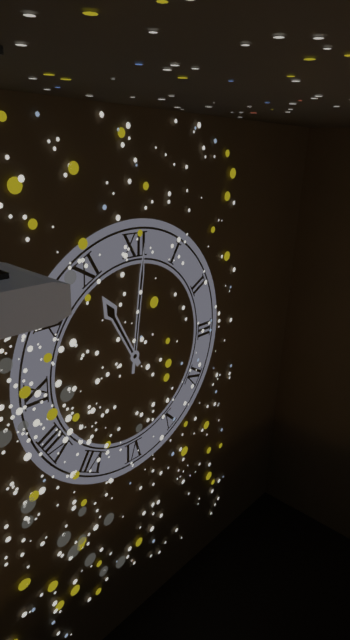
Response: 11:01
